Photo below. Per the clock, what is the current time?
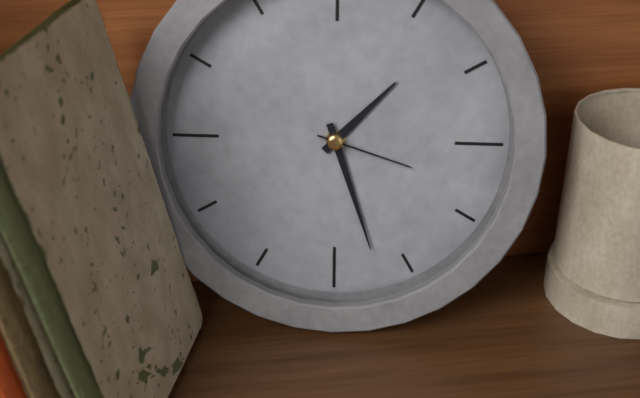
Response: 1:27:18
